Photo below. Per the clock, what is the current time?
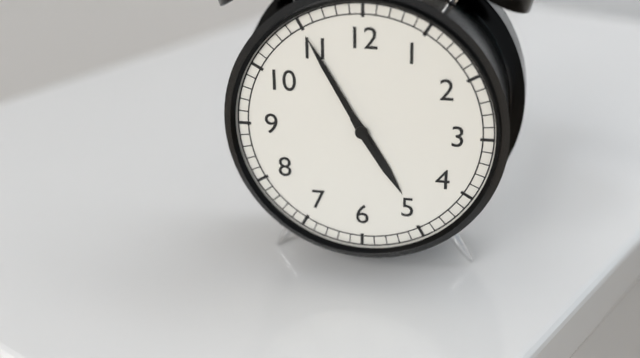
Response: 4:55
